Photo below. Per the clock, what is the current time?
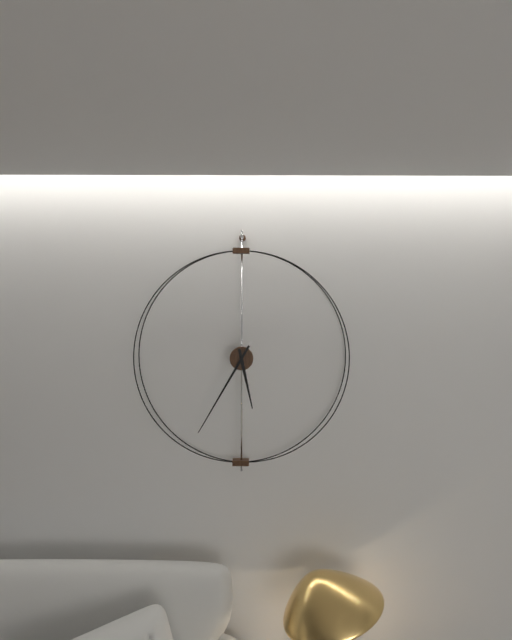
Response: 5:35
